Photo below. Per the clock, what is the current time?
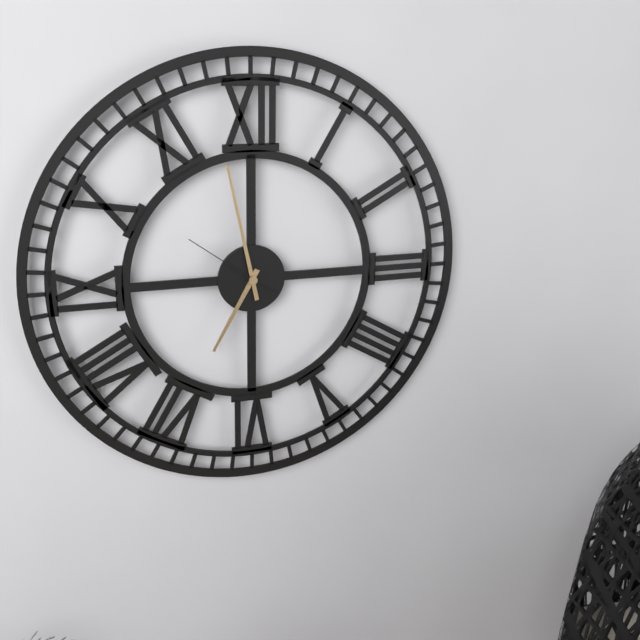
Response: 6:58:51
